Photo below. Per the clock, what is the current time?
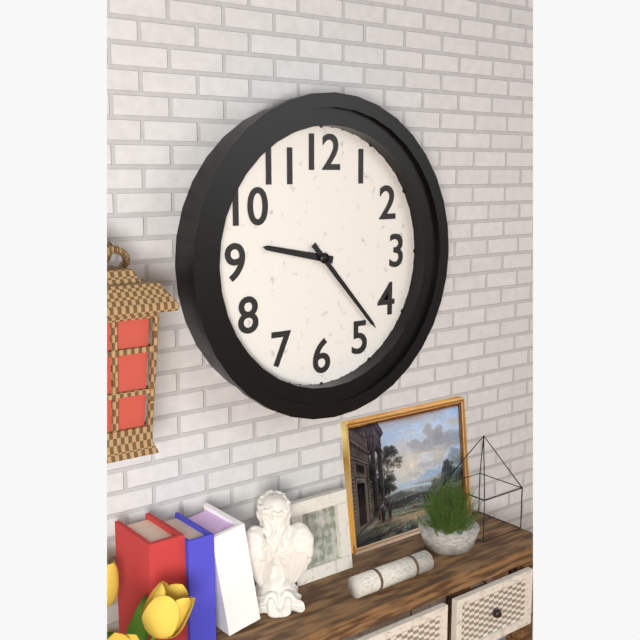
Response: 9:23
